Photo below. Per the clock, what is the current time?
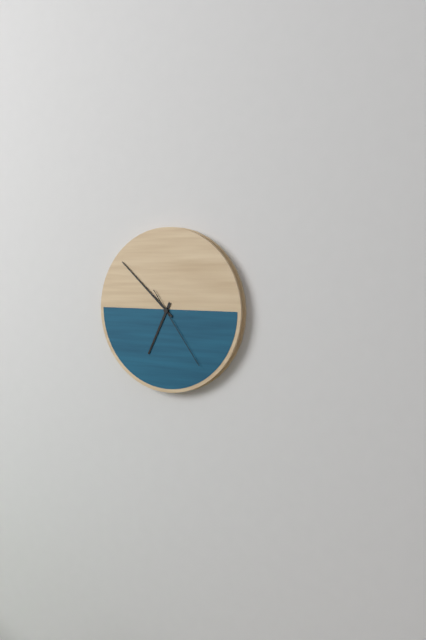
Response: 6:52:24
